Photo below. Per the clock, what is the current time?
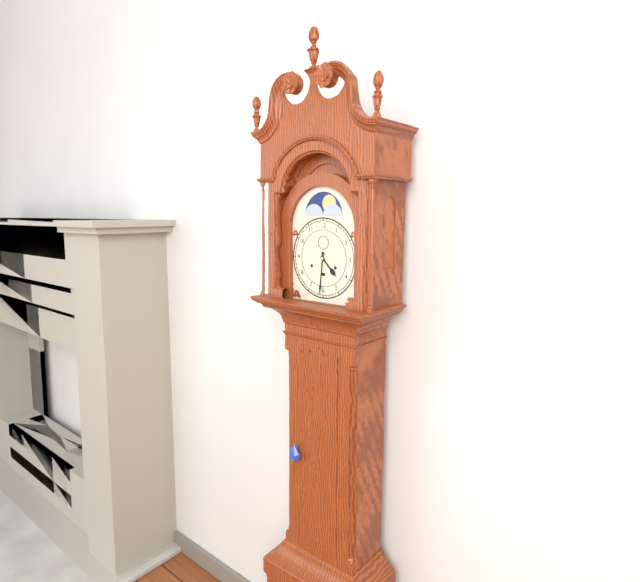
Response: 4:31
